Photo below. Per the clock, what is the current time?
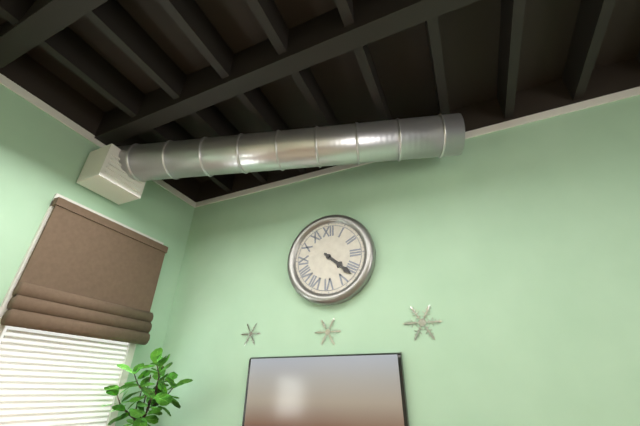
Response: 4:22
